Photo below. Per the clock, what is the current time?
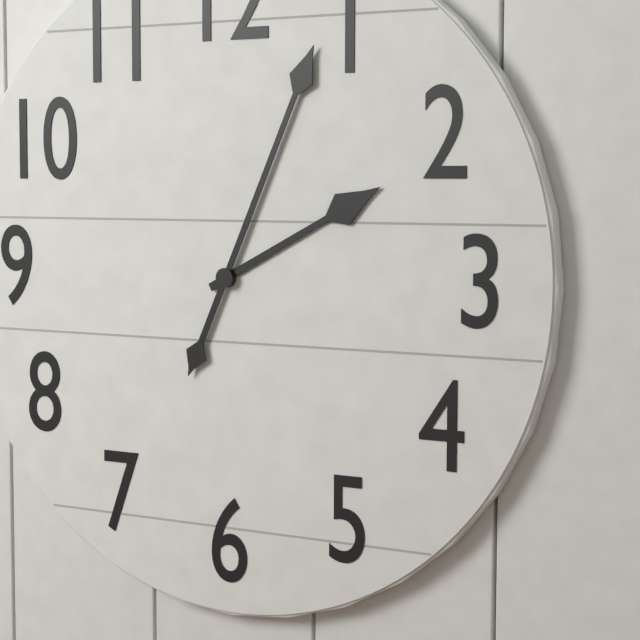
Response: 2:04
